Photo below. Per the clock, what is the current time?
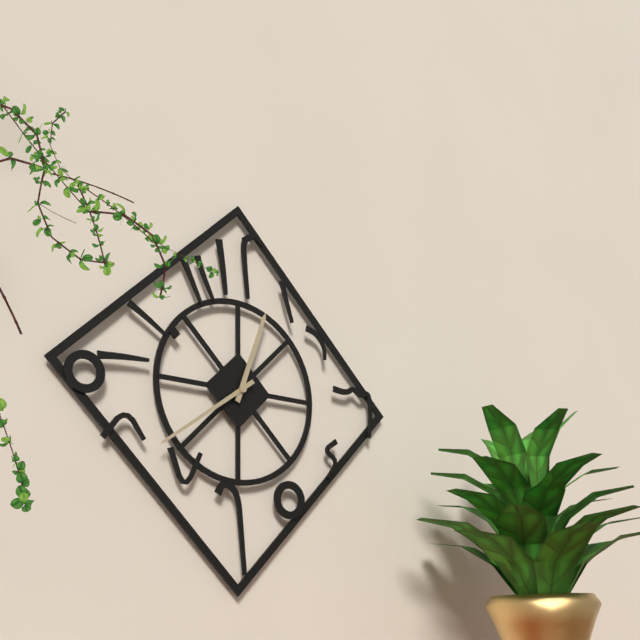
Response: 12:39
